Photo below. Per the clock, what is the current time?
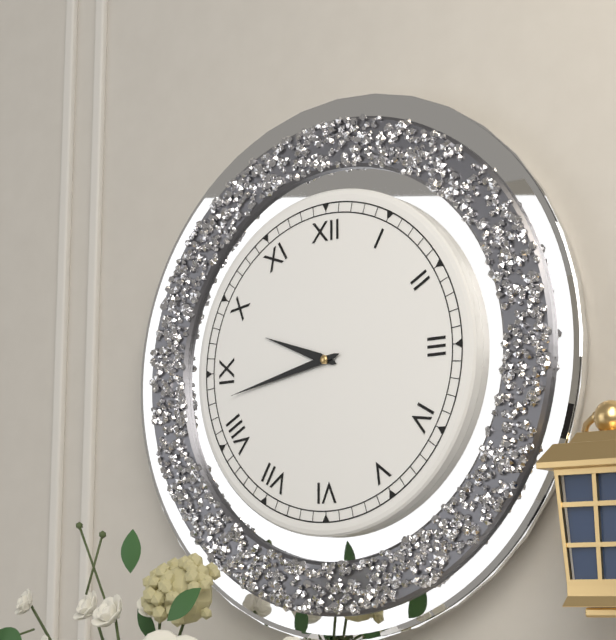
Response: 9:43
